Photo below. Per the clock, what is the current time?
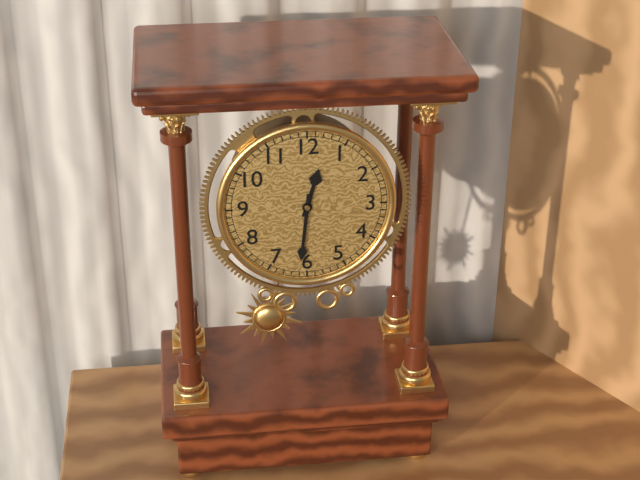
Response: 12:31
